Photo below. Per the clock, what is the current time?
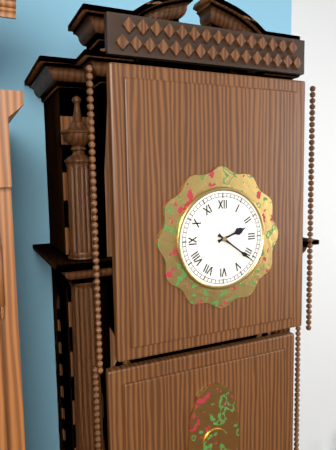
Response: 2:21
